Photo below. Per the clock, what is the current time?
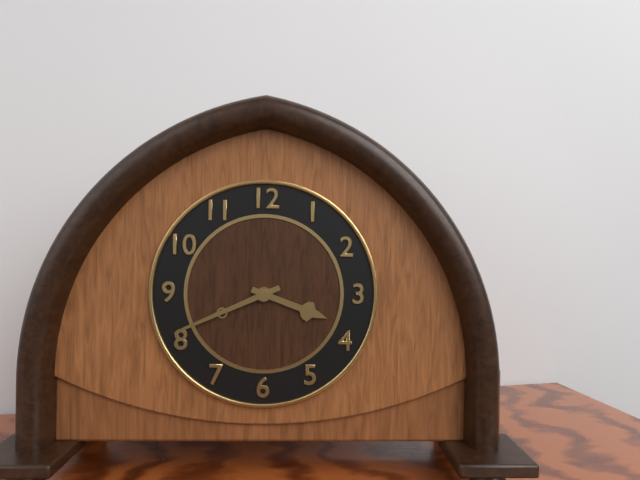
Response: 3:41
